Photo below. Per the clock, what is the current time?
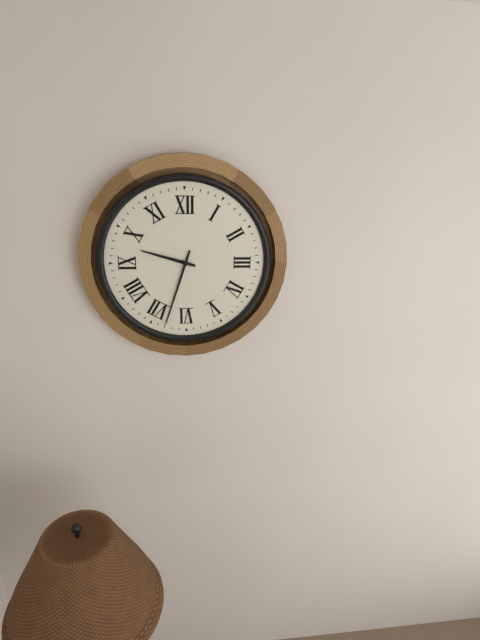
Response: 9:33
